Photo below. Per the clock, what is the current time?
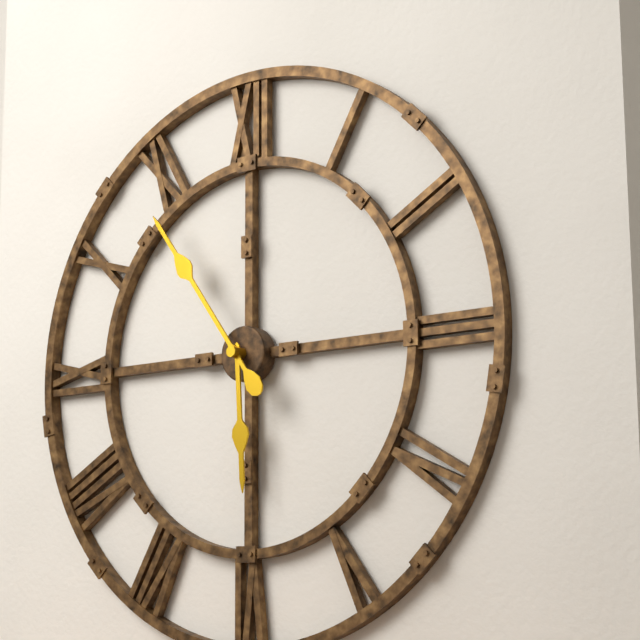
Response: 5:54
